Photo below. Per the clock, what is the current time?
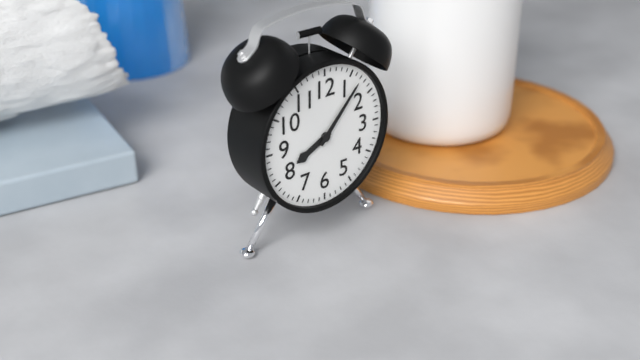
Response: 8:07
